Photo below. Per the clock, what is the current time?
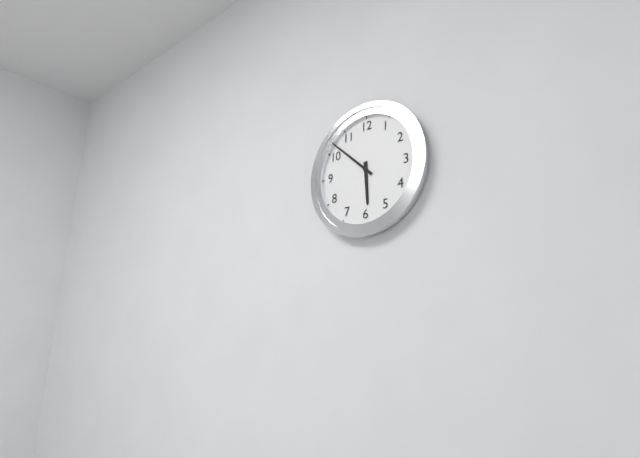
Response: 5:52
